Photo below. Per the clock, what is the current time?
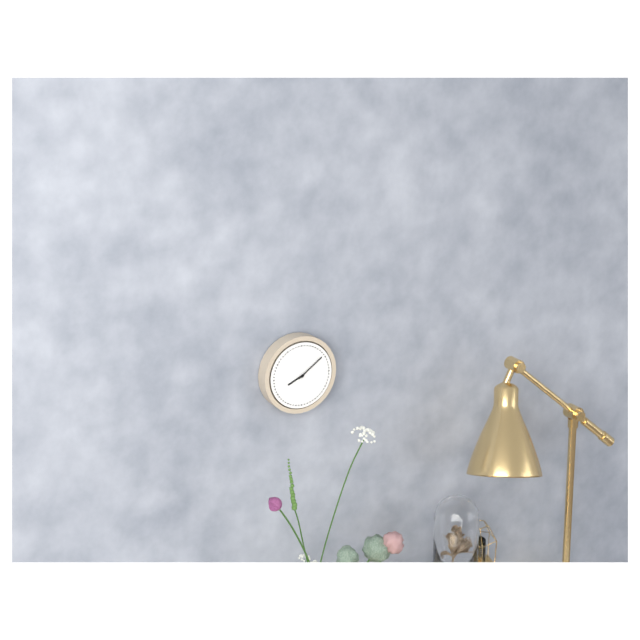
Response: 8:09
